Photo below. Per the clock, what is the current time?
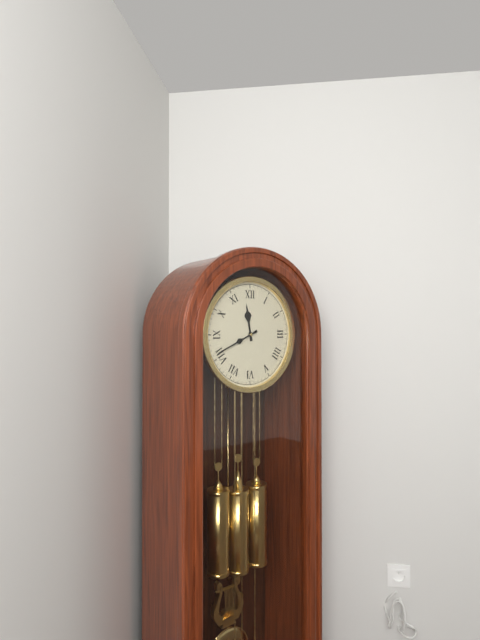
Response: 11:41
